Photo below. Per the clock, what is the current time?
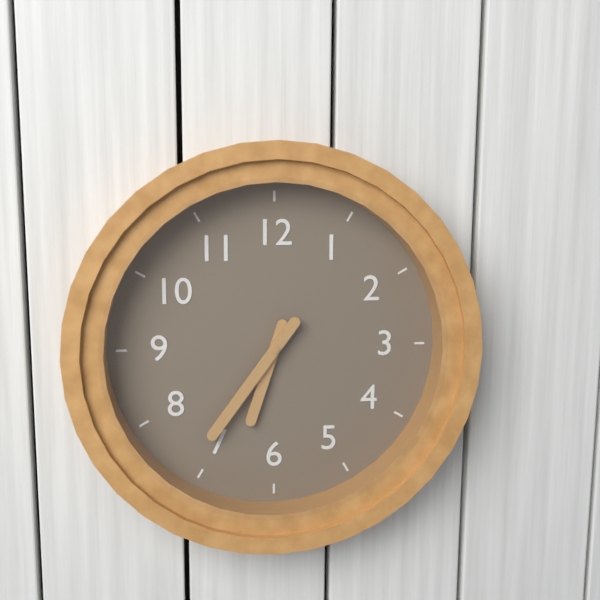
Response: 6:36
